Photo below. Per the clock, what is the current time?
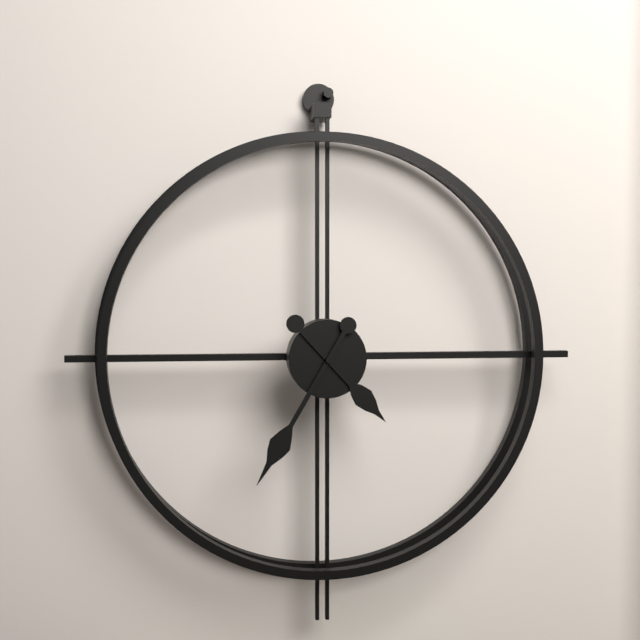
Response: 4:35
